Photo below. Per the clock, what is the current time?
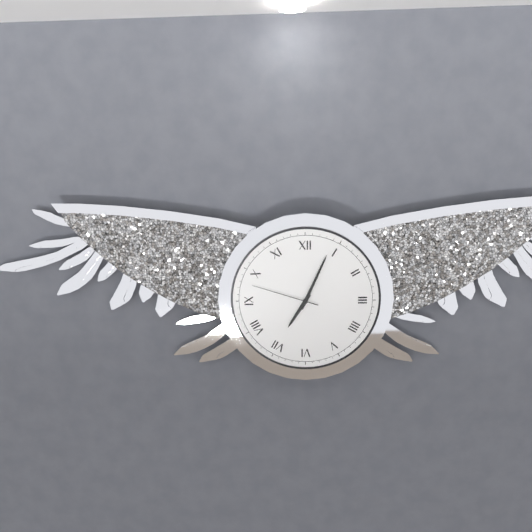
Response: 7:04:48
